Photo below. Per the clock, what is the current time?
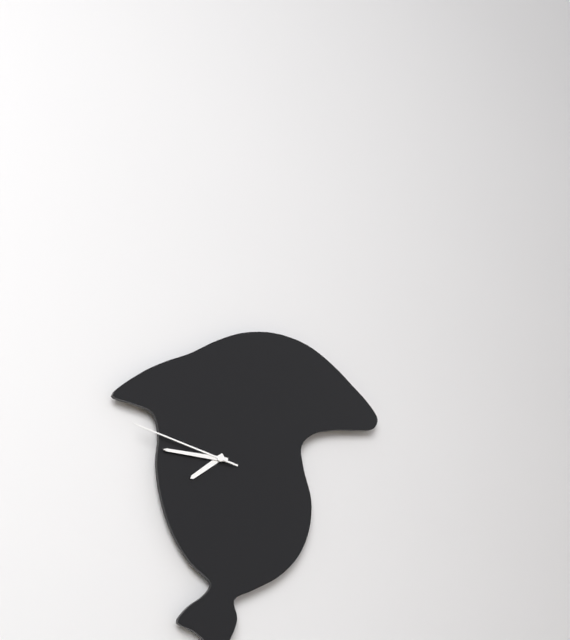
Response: 7:45:47
